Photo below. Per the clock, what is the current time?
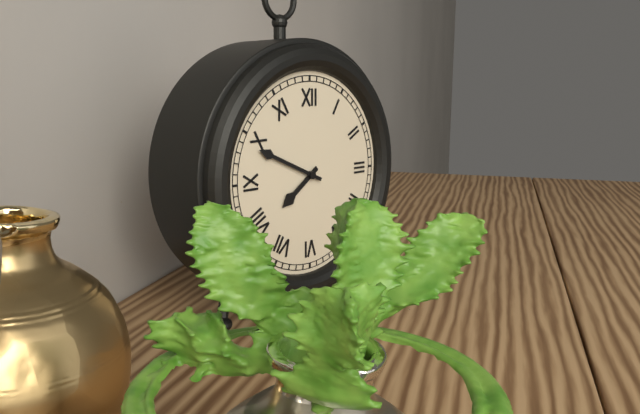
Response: 7:49
